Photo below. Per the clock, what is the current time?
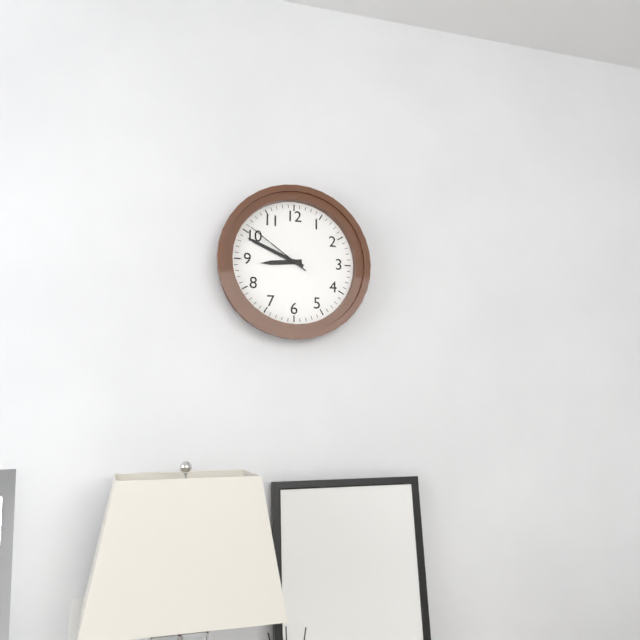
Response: 8:49:51
